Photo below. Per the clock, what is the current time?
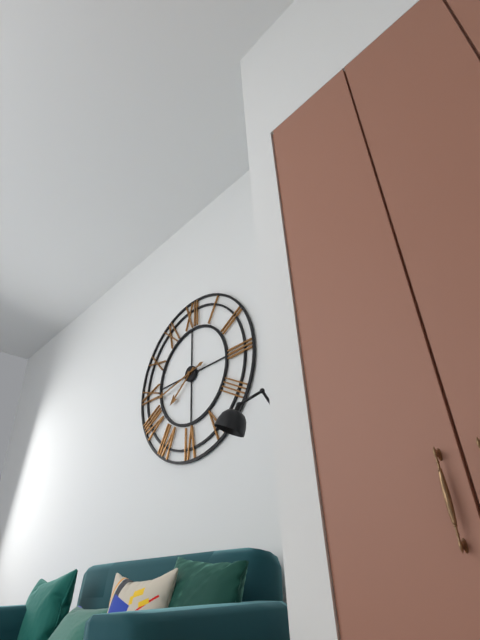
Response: 7:43
